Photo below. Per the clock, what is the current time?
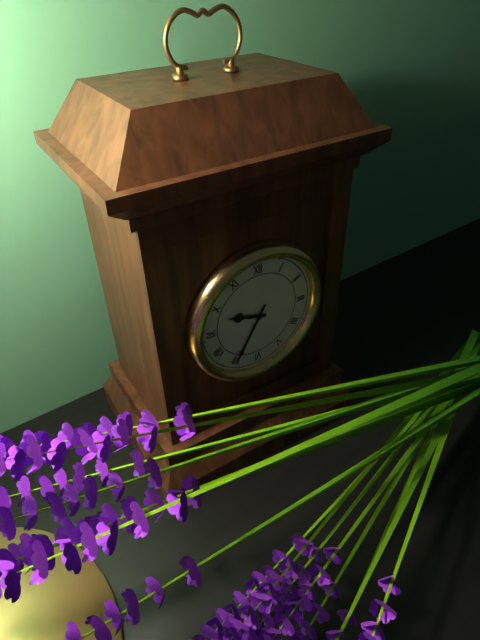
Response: 9:35
